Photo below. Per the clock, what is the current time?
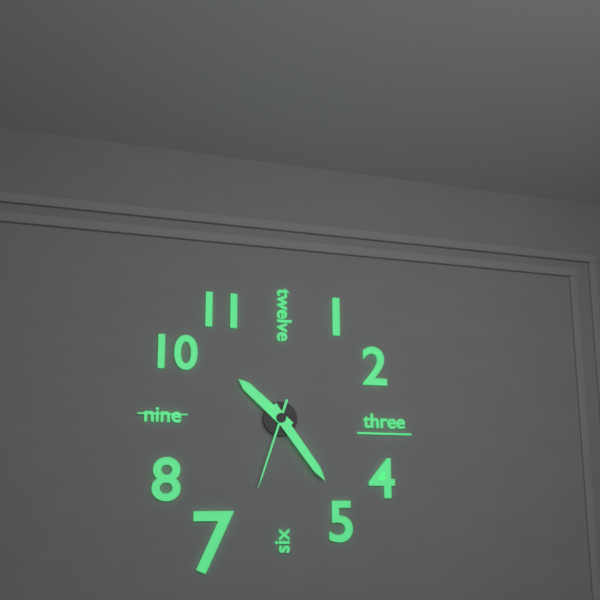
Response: 10:24:33
